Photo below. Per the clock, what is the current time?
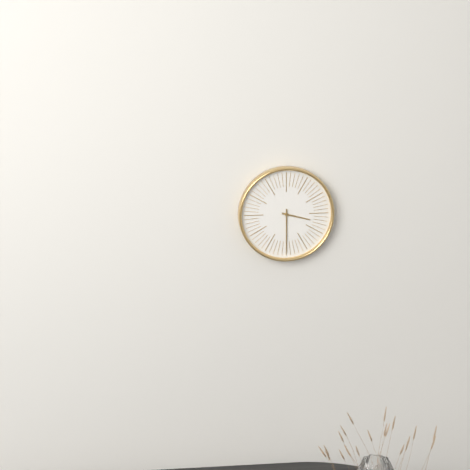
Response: 3:30
